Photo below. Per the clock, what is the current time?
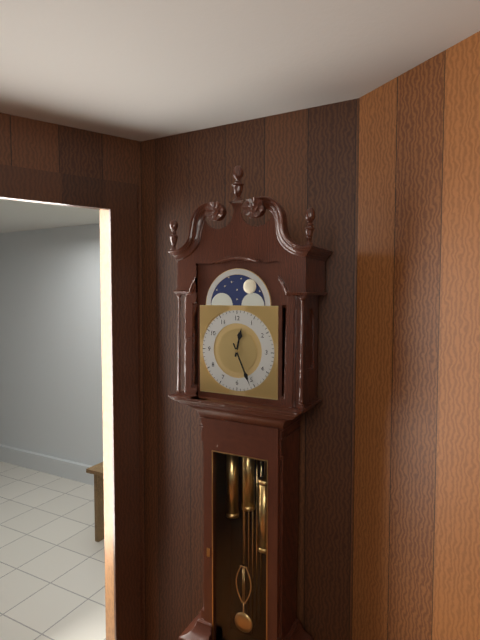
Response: 12:26
